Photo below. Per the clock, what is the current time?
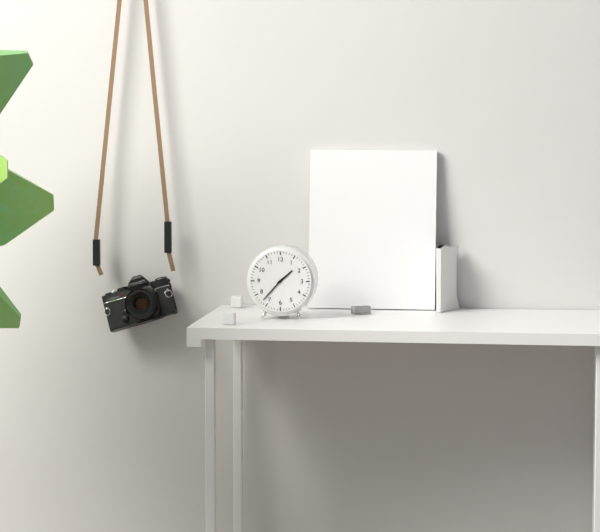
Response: 1:37
